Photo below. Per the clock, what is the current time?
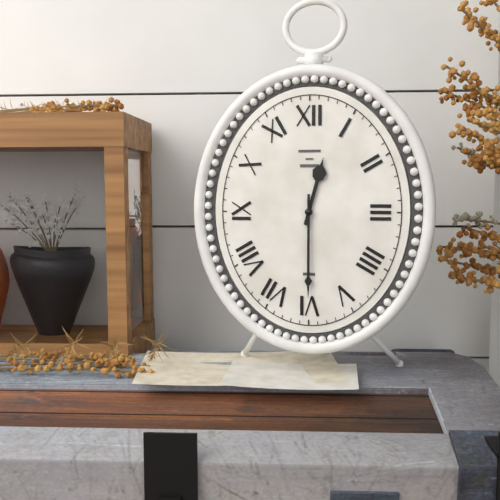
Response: 12:30
